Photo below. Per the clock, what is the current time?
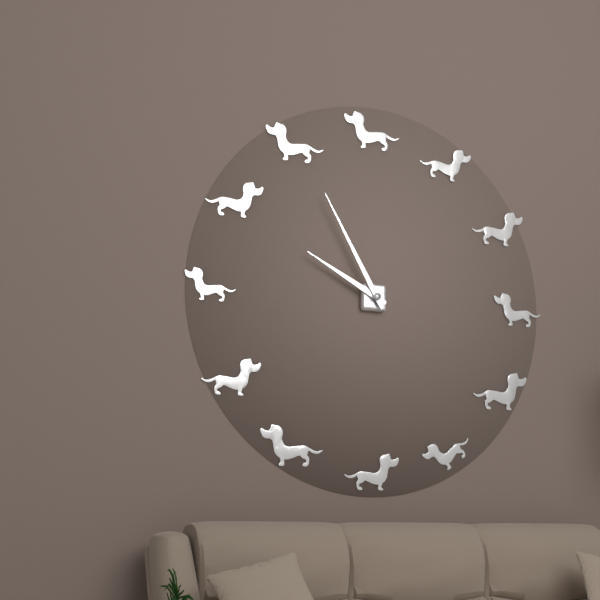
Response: 9:55
